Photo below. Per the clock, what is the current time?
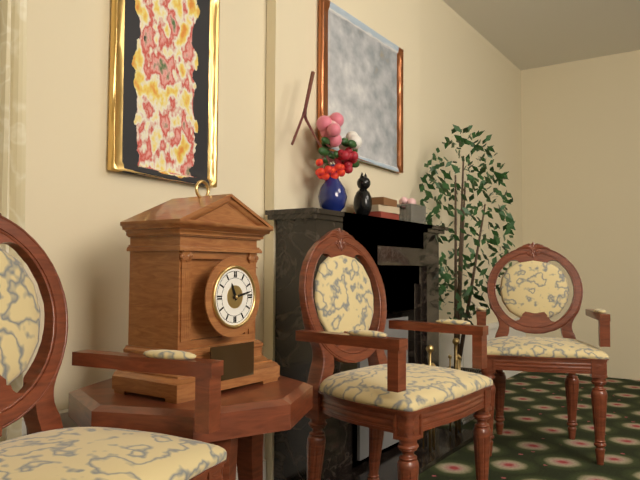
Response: 11:13
